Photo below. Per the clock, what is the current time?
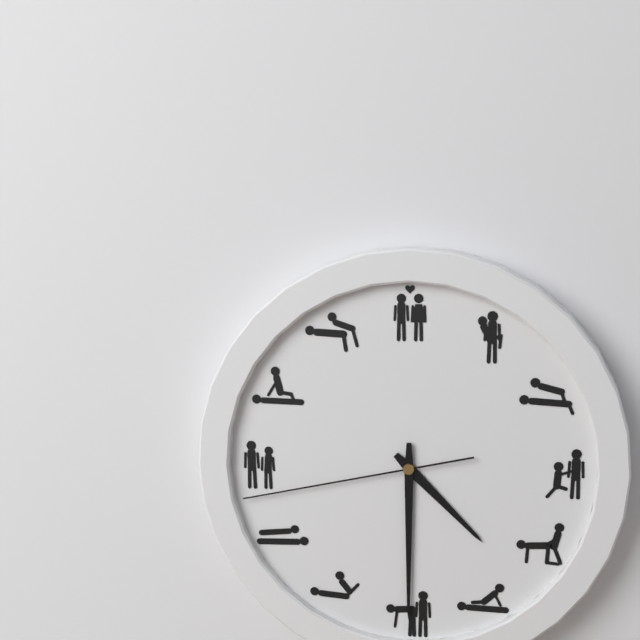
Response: 4:30:43
